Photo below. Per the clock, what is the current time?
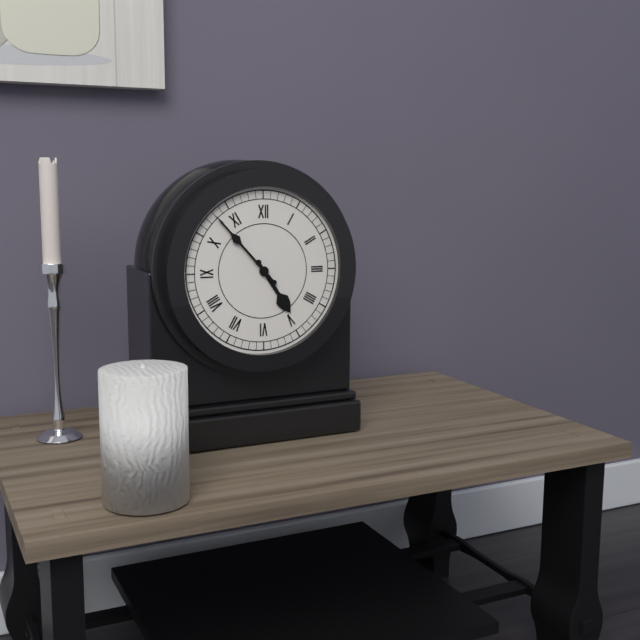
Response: 4:53
